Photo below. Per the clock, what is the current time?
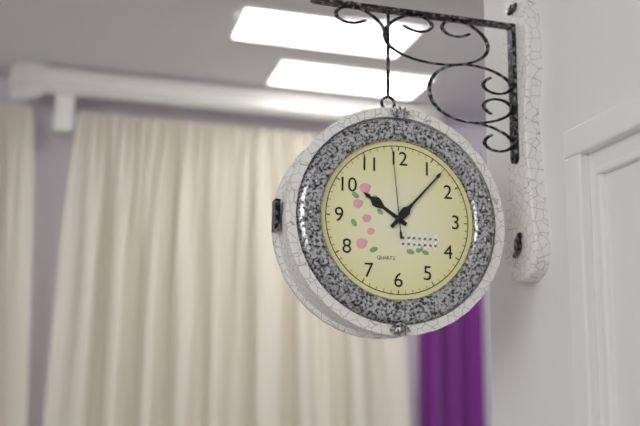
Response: 10:07:59
